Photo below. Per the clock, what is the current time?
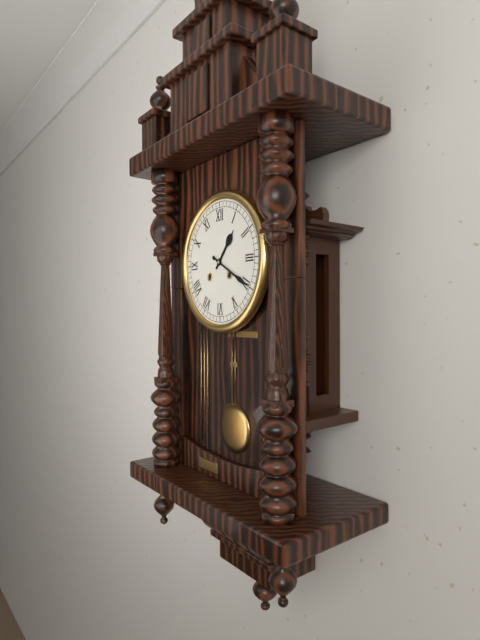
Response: 1:20
